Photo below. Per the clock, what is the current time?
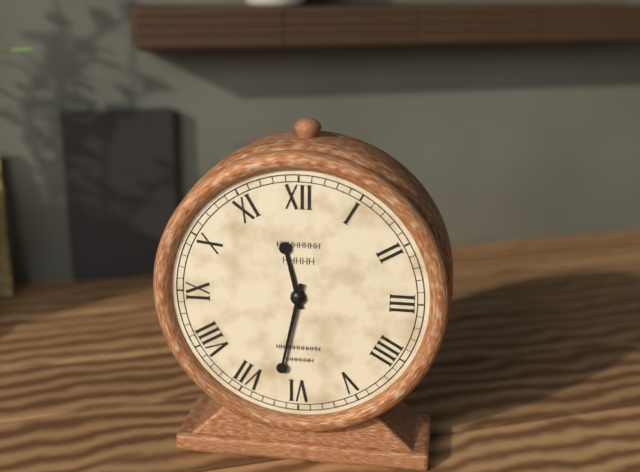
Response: 11:32
